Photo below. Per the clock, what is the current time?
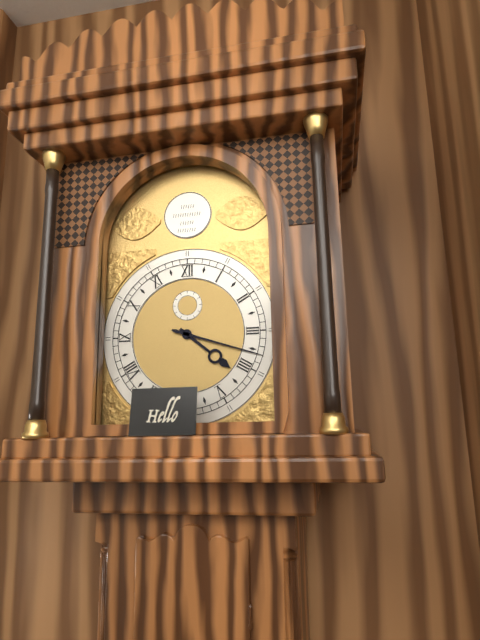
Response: 4:18
